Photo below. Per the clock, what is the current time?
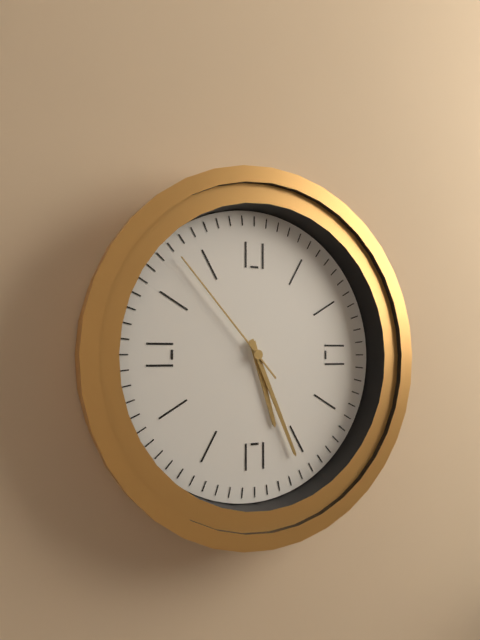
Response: 5:26:53
